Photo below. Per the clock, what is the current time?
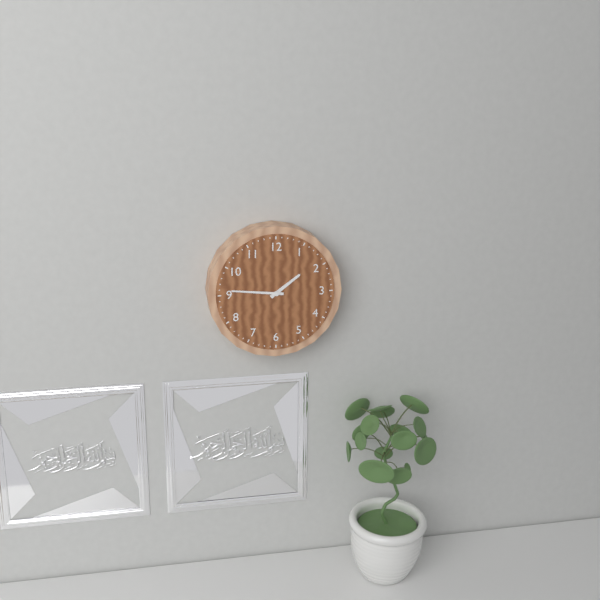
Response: 1:46
